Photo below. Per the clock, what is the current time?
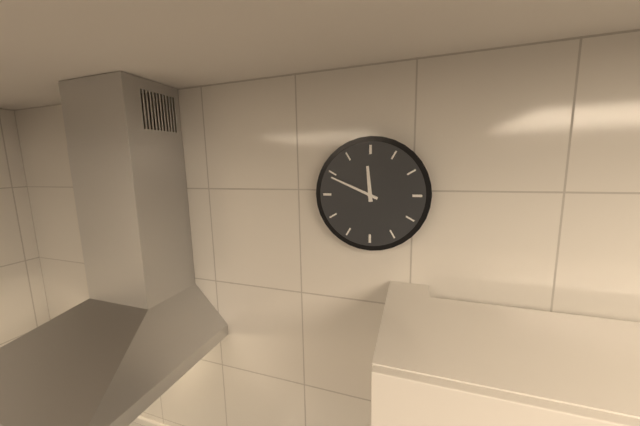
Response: 11:49
